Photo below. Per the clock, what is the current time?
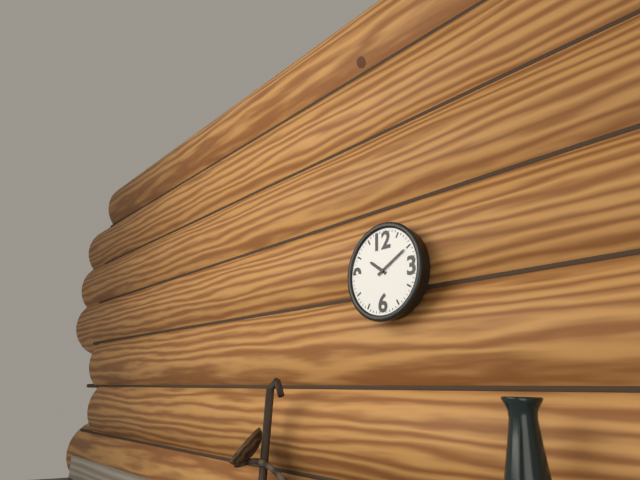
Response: 10:10
